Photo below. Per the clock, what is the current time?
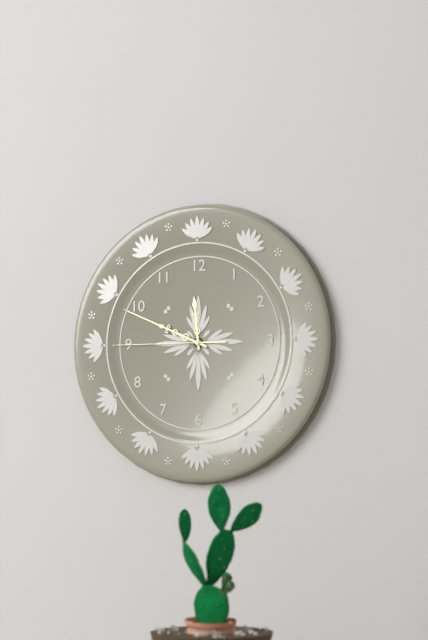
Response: 11:49:45
